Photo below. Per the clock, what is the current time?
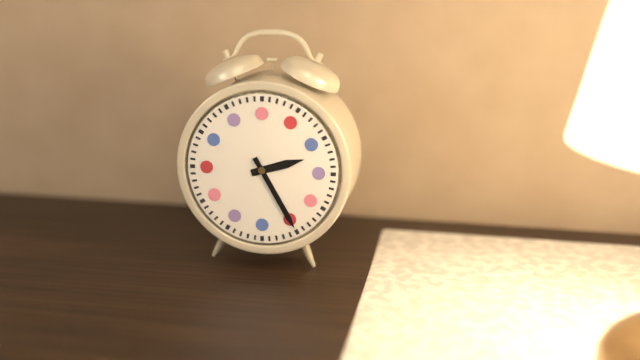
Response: 2:25
